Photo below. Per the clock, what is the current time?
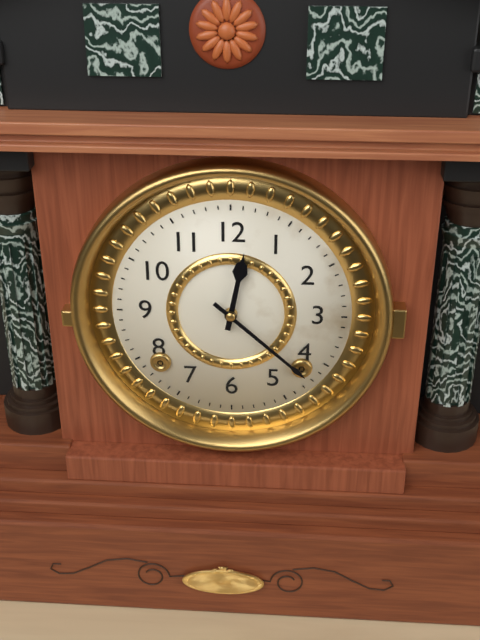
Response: 12:22
